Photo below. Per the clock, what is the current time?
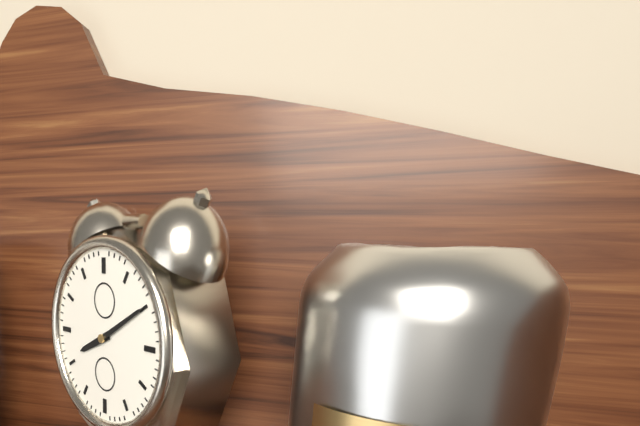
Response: 8:10
